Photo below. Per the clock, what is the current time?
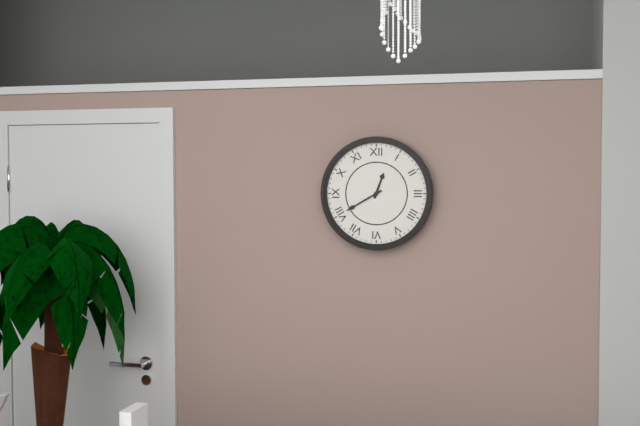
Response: 12:40
